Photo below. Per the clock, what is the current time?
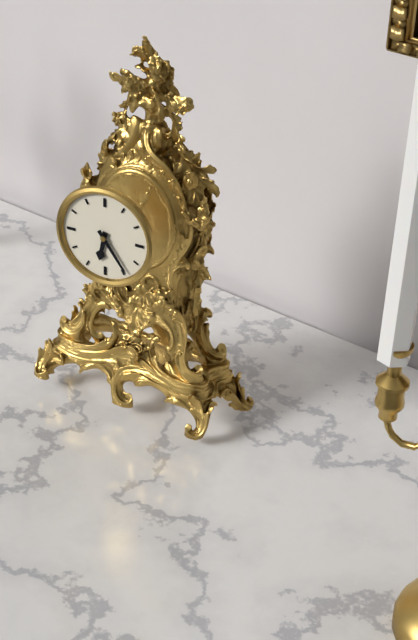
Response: 6:24
